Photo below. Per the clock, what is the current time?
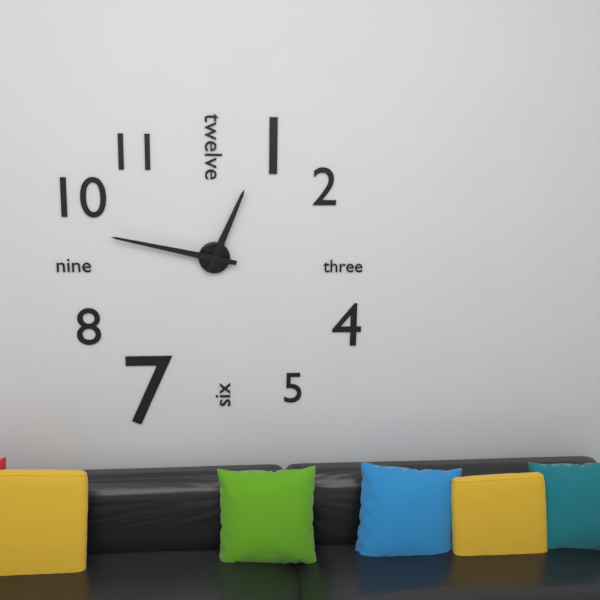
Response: 12:47
